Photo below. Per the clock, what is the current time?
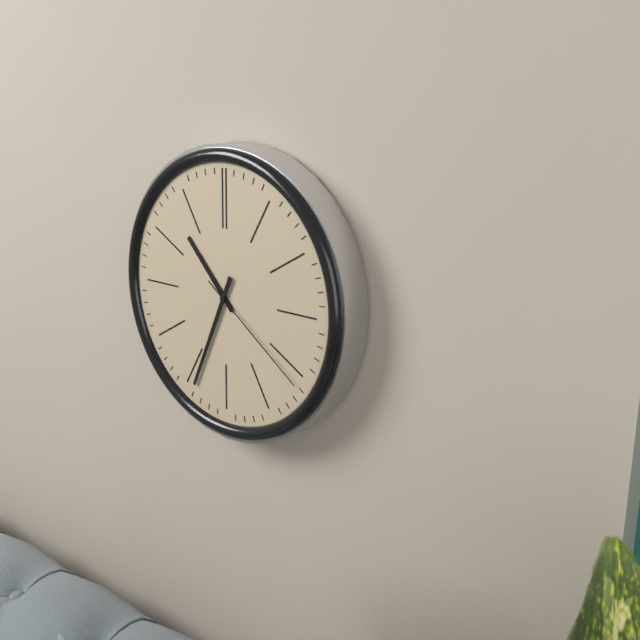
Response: 10:34:21
